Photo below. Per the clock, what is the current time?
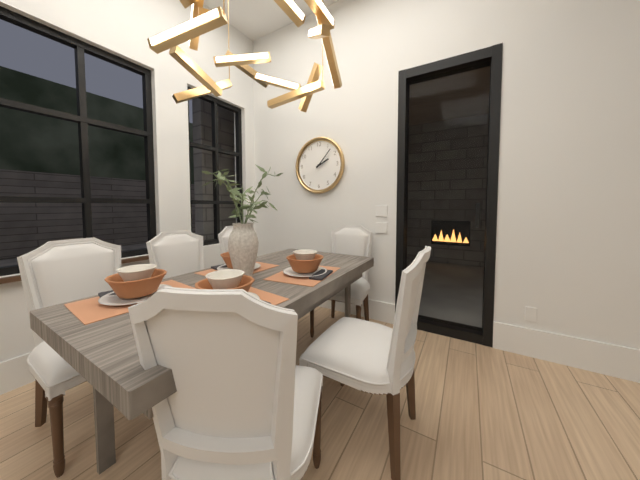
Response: 2:07
